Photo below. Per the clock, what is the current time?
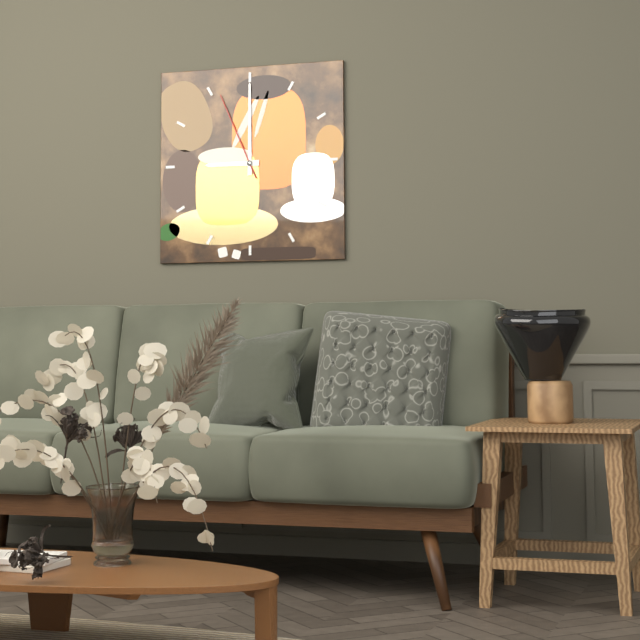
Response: 9:00:56
